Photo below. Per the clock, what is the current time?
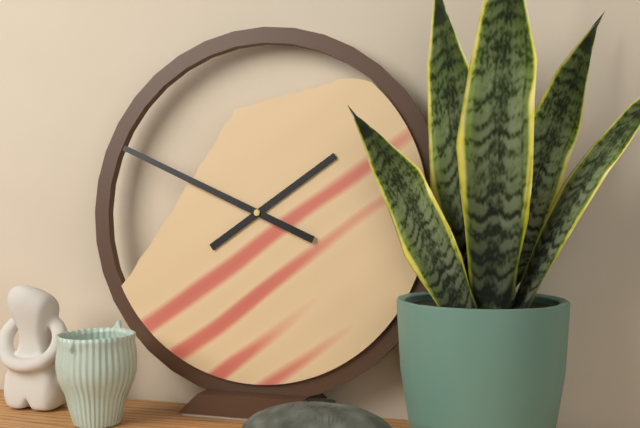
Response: 1:49
